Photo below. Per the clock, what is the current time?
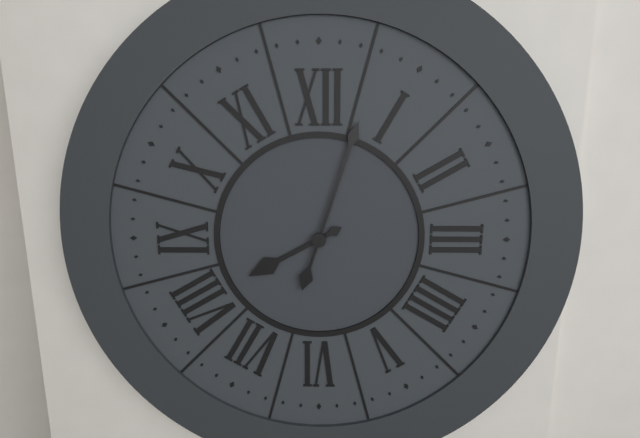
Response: 8:03
